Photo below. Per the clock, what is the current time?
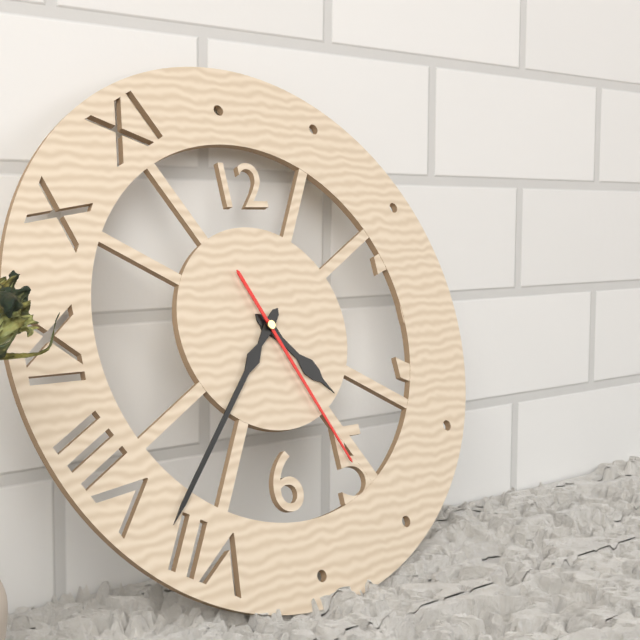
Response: 4:37:26
